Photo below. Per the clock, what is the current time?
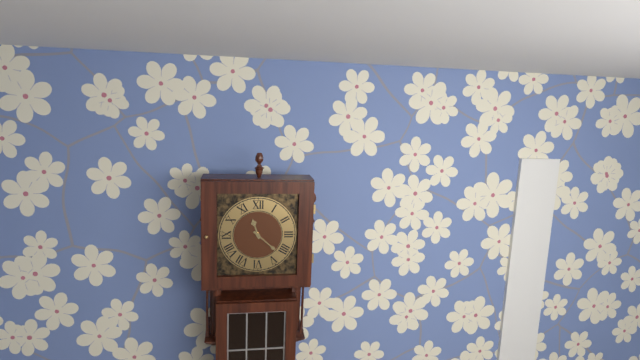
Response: 11:22
